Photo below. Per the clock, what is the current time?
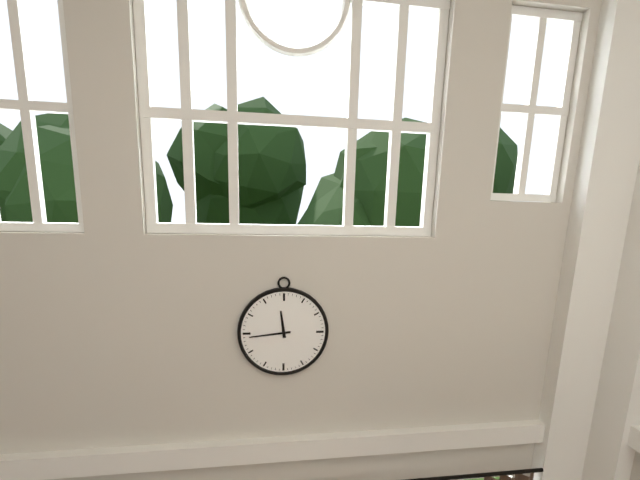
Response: 11:44
